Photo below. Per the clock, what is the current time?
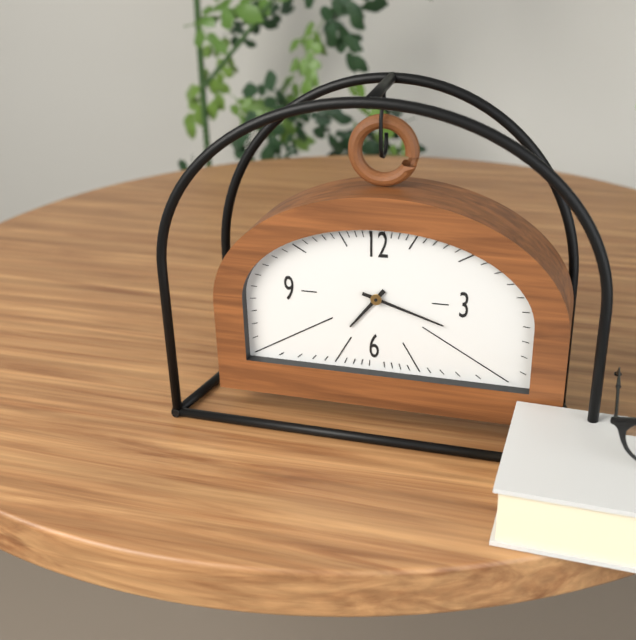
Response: 7:18
